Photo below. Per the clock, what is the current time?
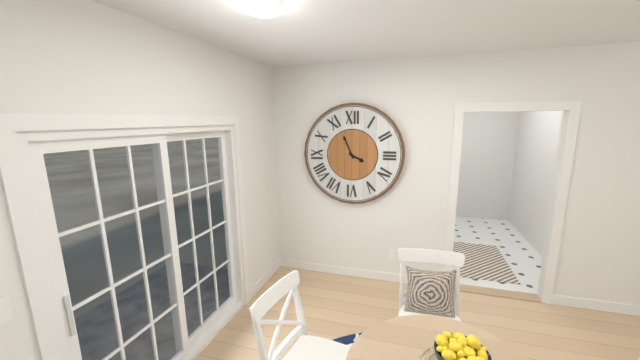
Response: 3:56
